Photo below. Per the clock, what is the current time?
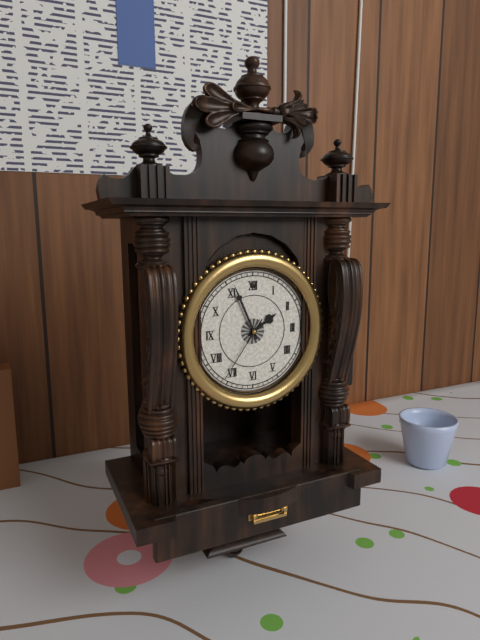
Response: 1:56:36
